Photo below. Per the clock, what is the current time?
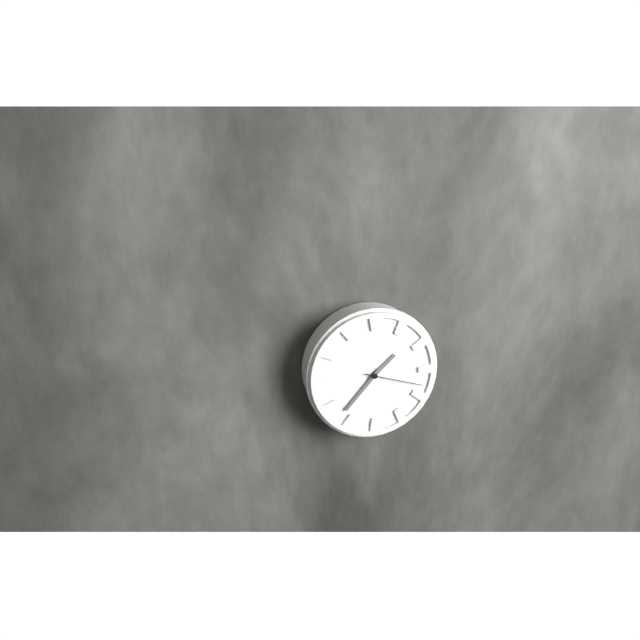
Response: 1:37:18
